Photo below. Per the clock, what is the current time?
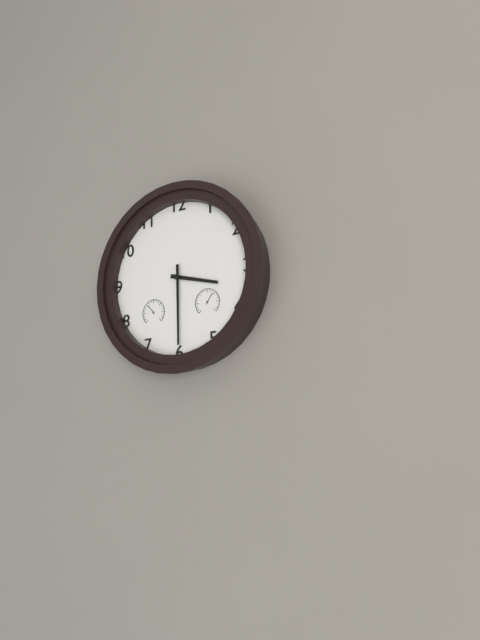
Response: 3:30
